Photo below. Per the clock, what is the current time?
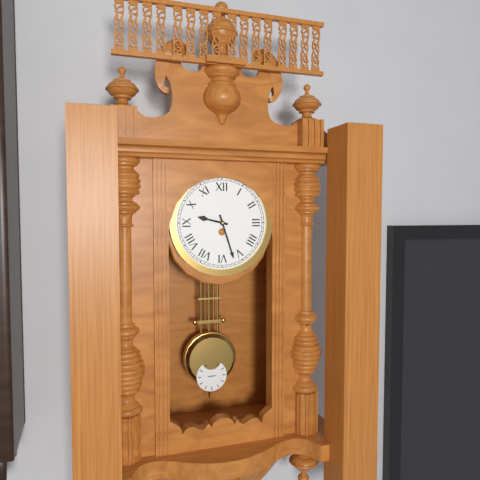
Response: 9:27
